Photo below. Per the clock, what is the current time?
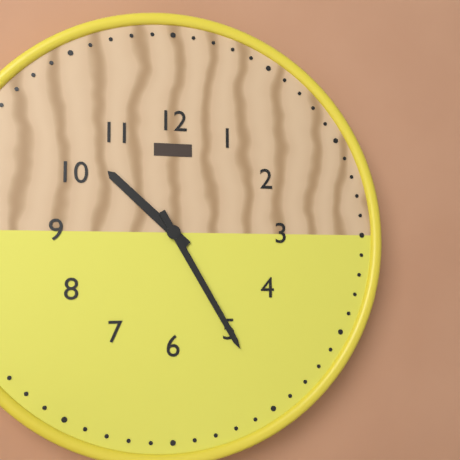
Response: 10:25
